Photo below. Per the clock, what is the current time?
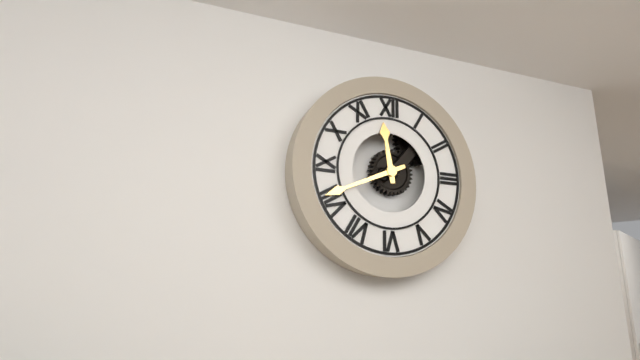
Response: 11:41
